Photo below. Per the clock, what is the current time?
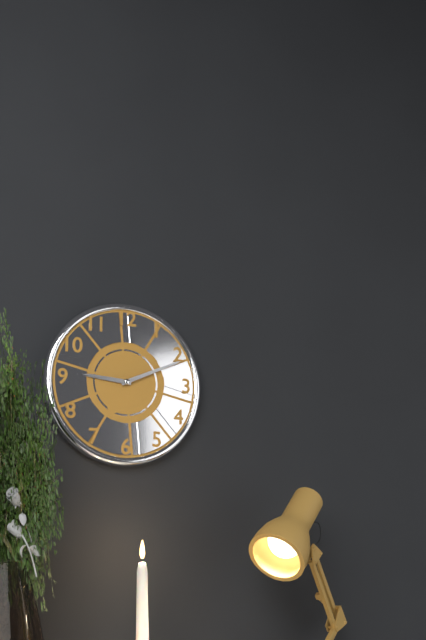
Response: 9:11
